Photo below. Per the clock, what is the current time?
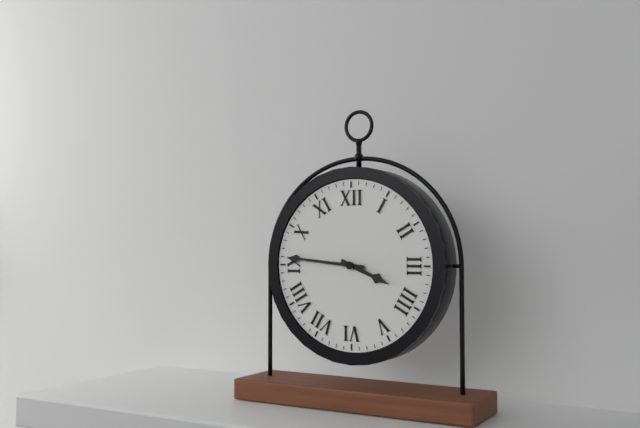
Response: 3:46
